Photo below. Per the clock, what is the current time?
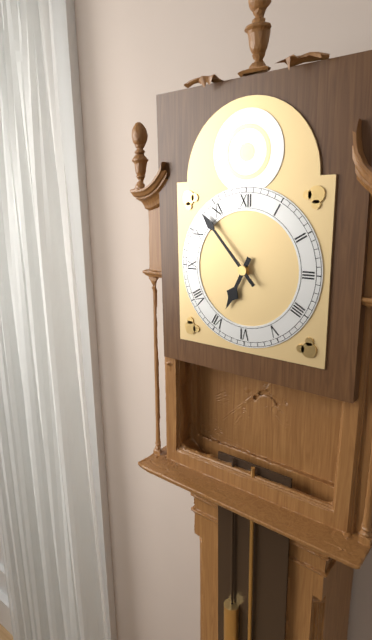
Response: 6:53
